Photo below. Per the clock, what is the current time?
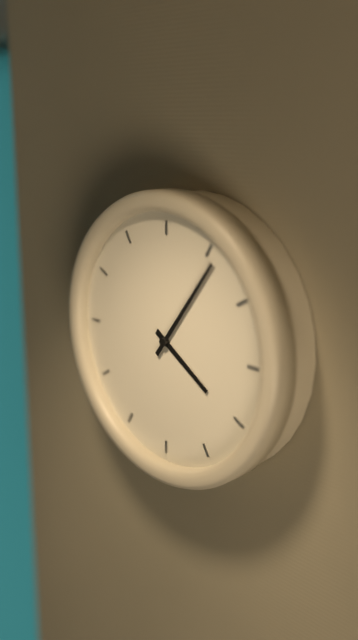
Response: 4:06
